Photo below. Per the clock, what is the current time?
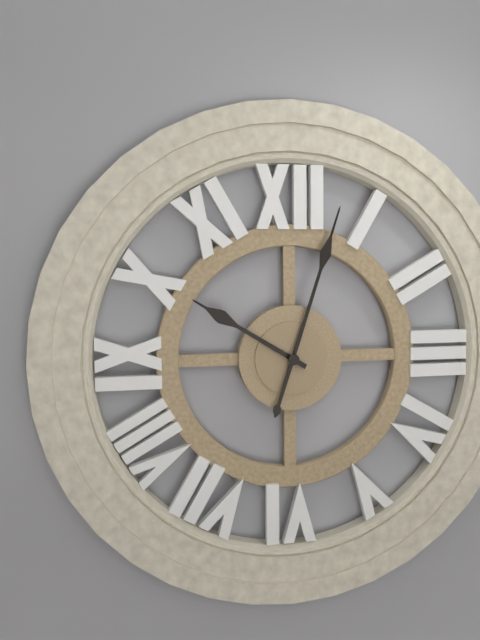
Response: 10:03
